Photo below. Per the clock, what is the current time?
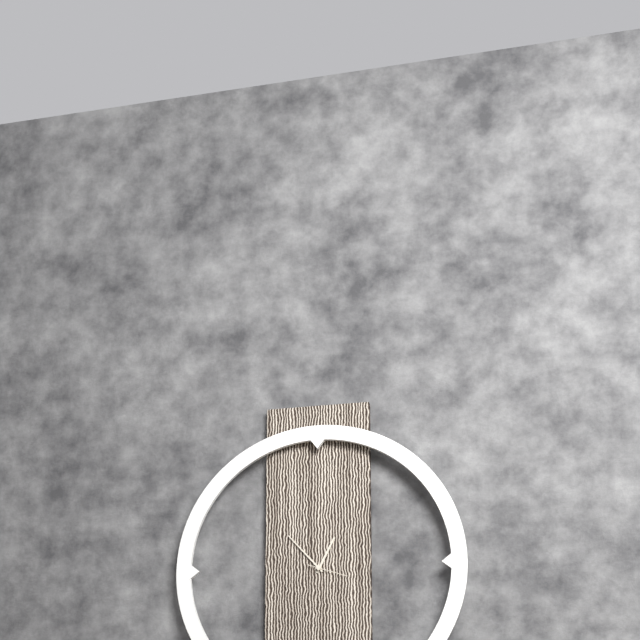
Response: 12:53
